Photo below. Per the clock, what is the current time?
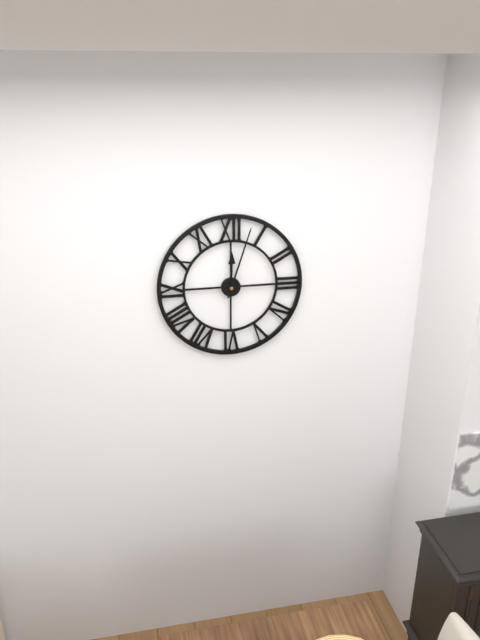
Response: 12:03
